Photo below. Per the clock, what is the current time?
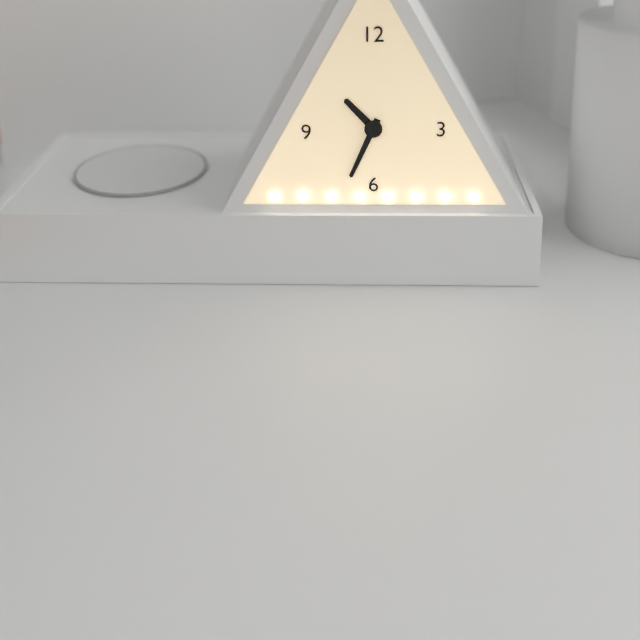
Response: 10:34
